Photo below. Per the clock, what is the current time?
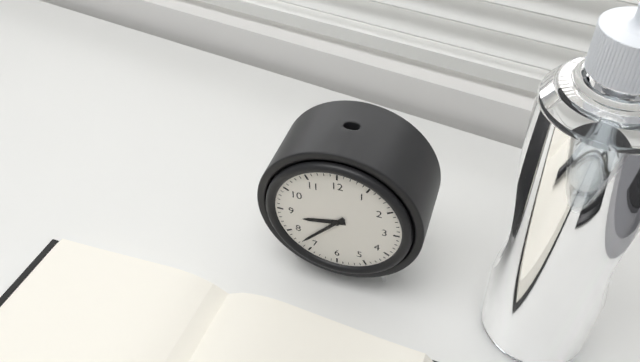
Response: 8:37
